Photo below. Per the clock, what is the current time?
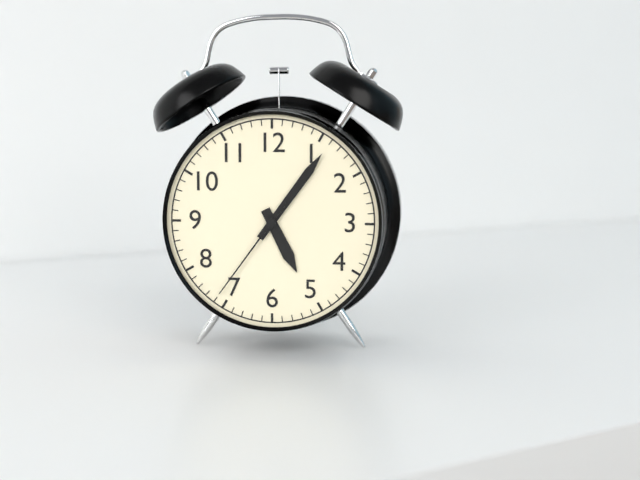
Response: 5:06:36
